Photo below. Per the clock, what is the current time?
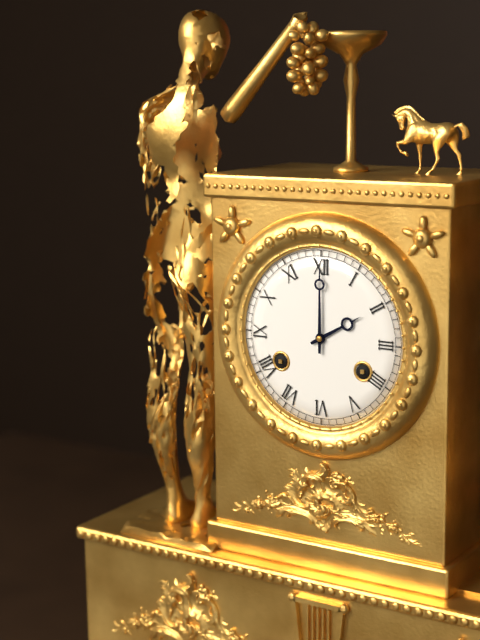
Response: 2:00
